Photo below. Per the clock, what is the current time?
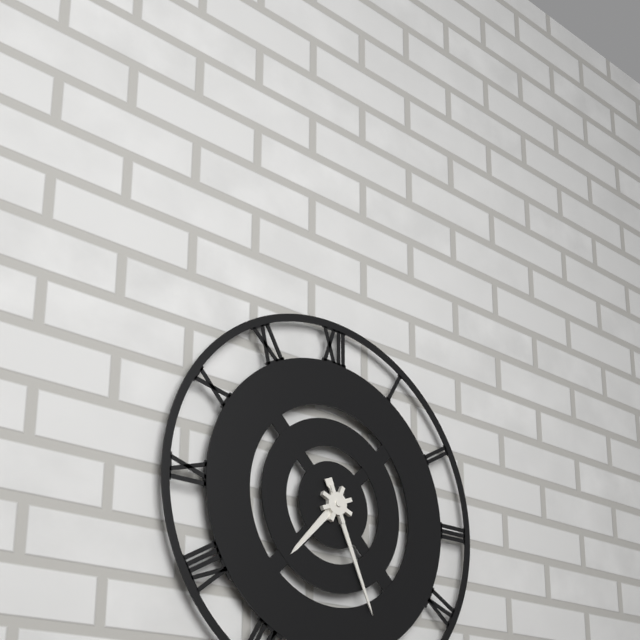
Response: 7:26
